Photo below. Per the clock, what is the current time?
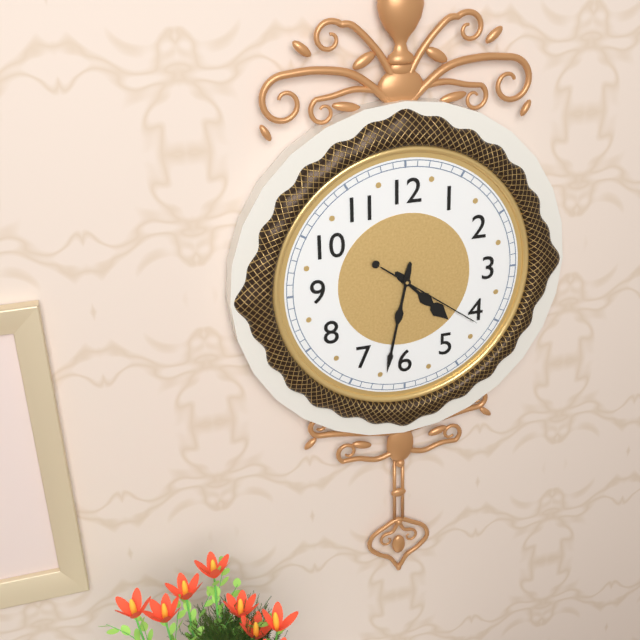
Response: 4:32:21
